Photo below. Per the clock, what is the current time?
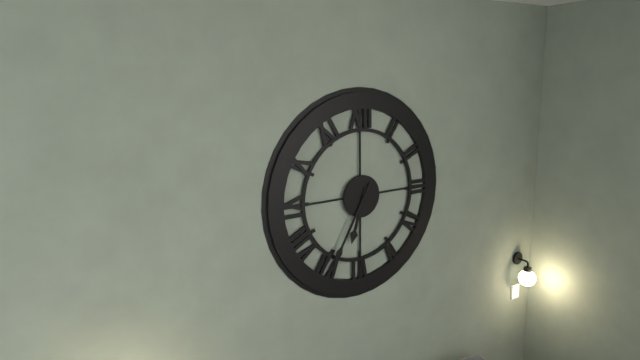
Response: 6:35
